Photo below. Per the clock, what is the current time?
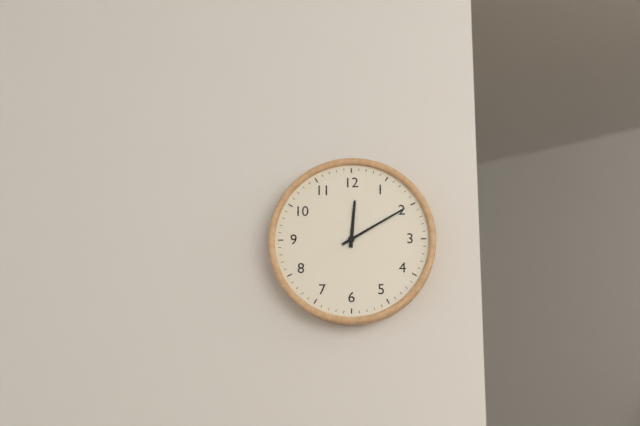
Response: 12:10
